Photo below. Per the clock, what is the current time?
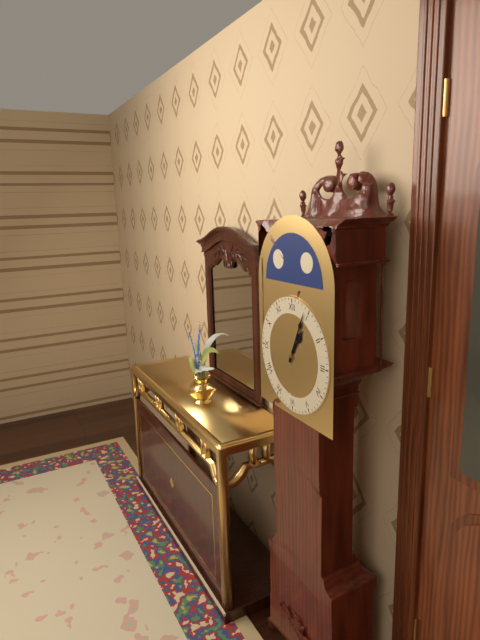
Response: 1:04
